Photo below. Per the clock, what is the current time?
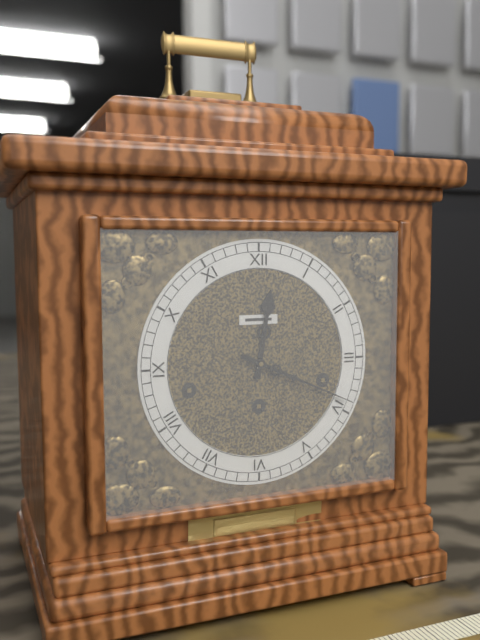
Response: 12:19
